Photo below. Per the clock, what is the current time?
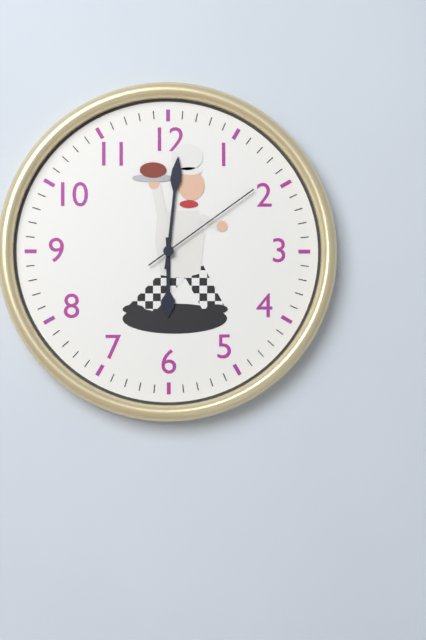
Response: 6:01:09
